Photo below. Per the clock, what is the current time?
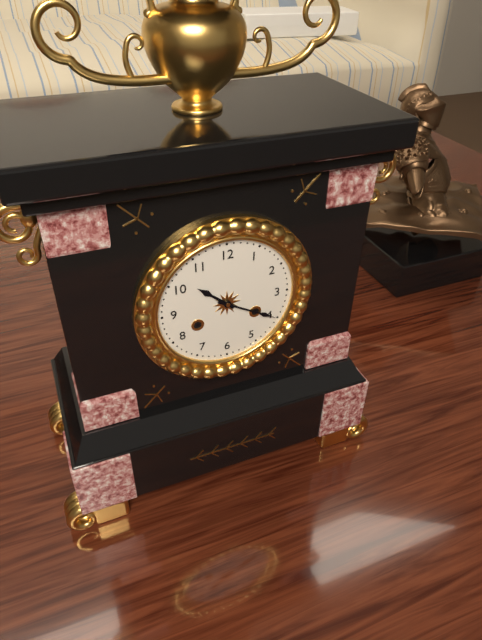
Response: 10:20
